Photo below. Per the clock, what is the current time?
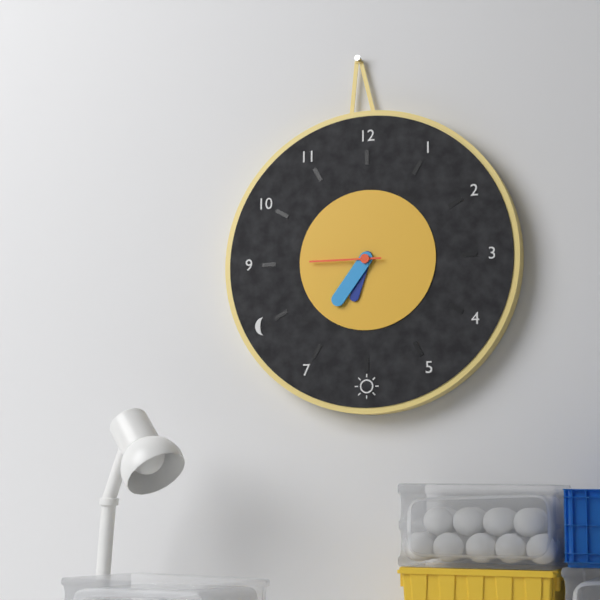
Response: 6:36:45
